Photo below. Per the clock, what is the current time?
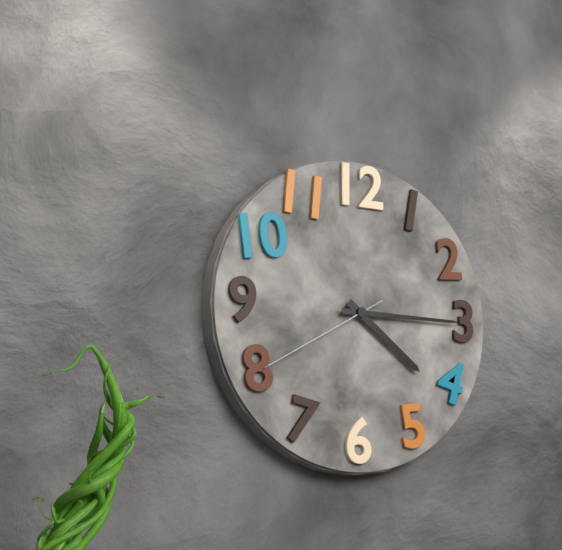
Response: 4:15:40
